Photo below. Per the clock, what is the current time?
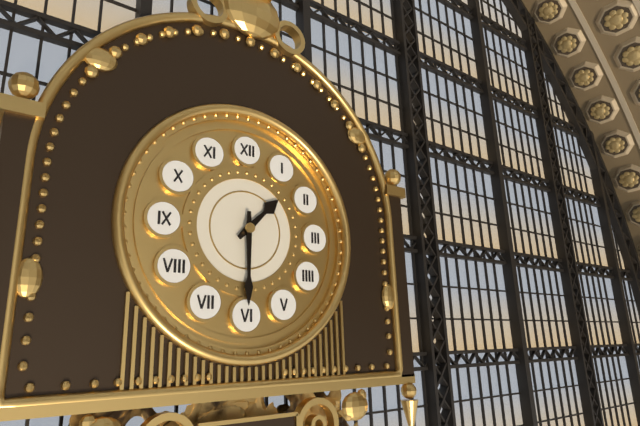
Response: 1:30
